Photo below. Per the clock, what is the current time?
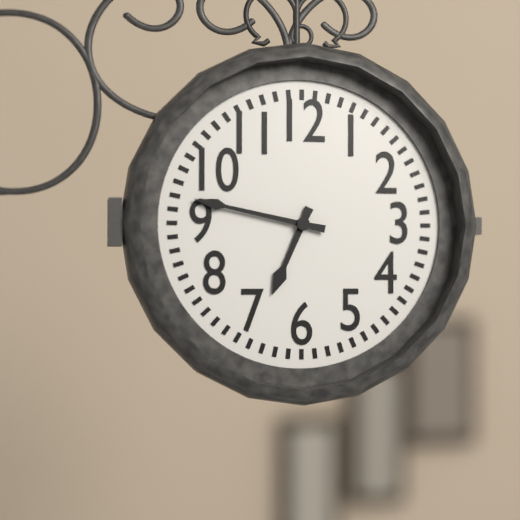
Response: 6:47
